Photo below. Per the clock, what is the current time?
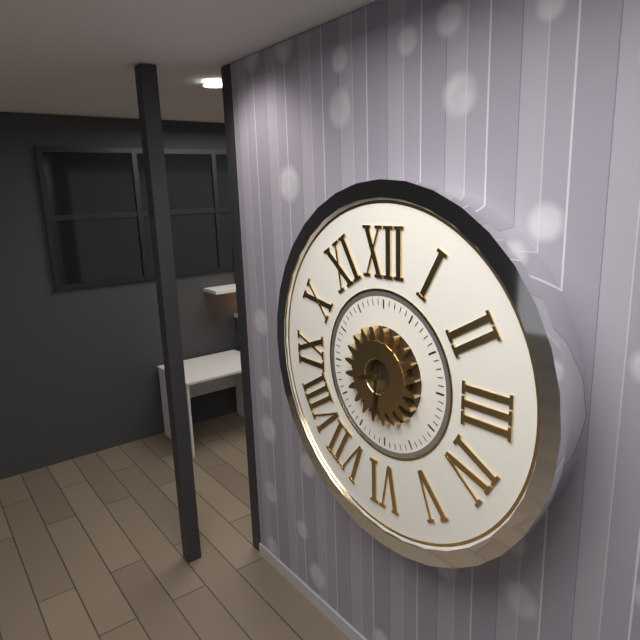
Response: 8:31
